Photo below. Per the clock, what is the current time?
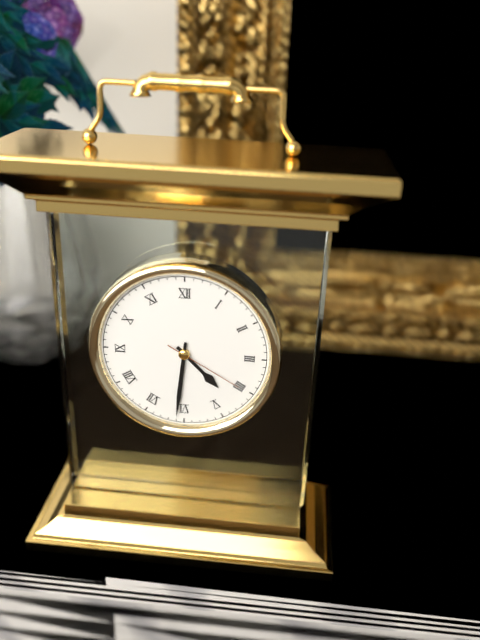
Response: 4:31:20
